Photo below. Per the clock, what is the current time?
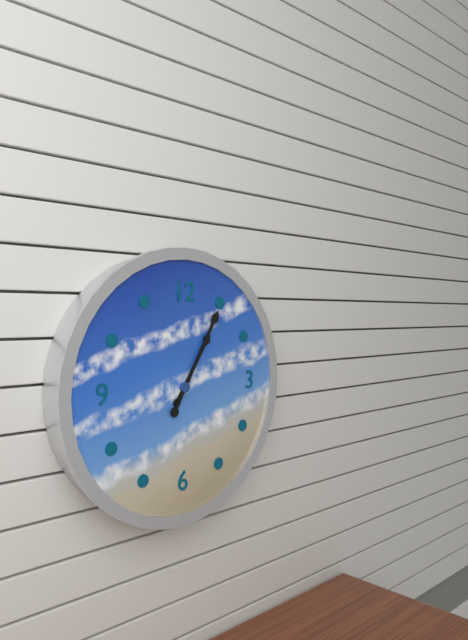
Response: 1:05
